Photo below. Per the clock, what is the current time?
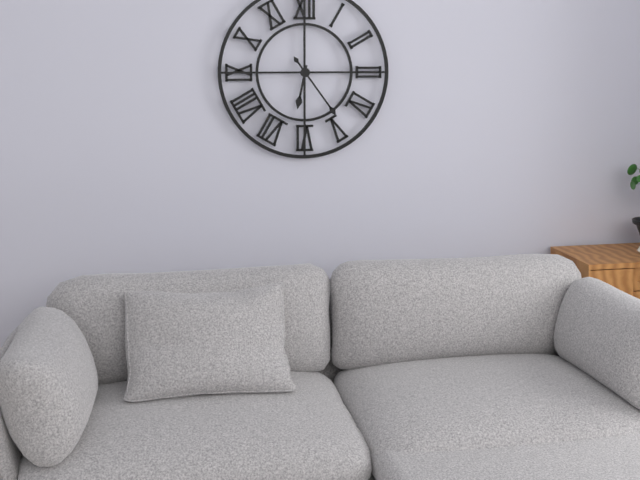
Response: 6:24
